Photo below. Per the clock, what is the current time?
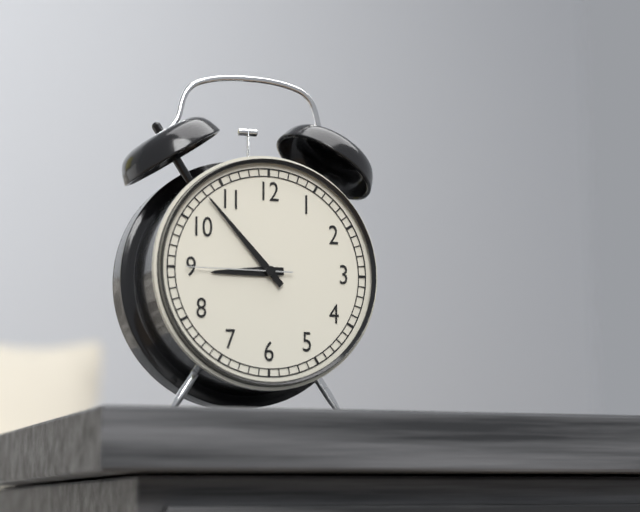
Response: 8:53:45
